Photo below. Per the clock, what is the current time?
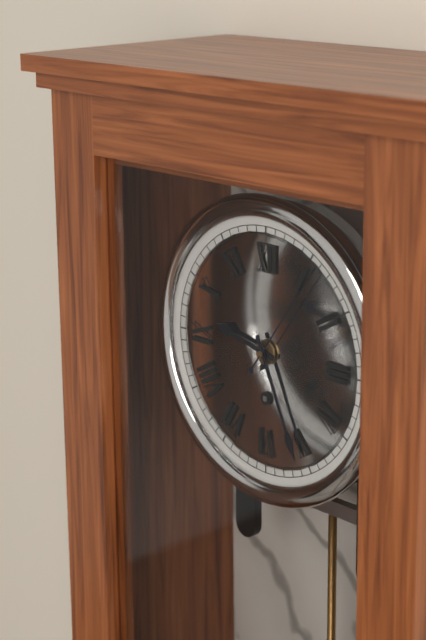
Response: 9:26:06
